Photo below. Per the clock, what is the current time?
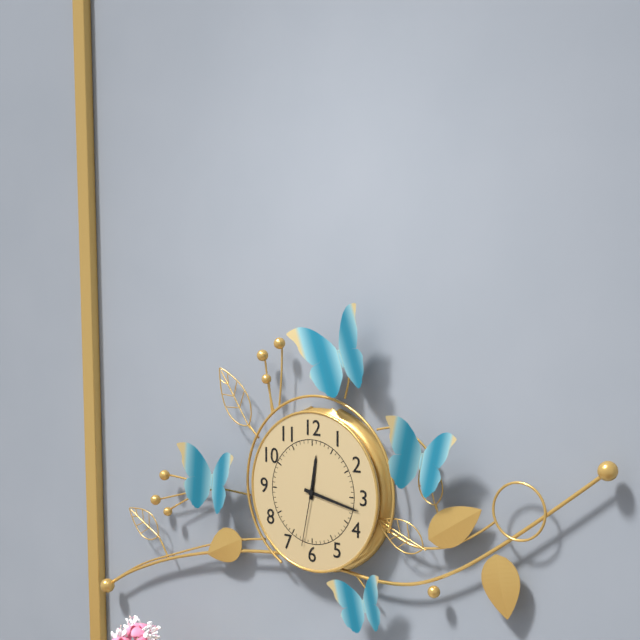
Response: 12:17:32
